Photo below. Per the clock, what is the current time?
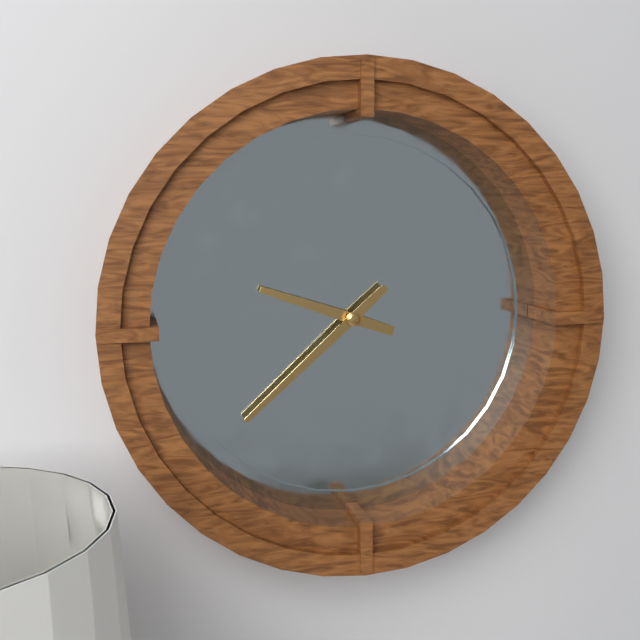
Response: 9:38
